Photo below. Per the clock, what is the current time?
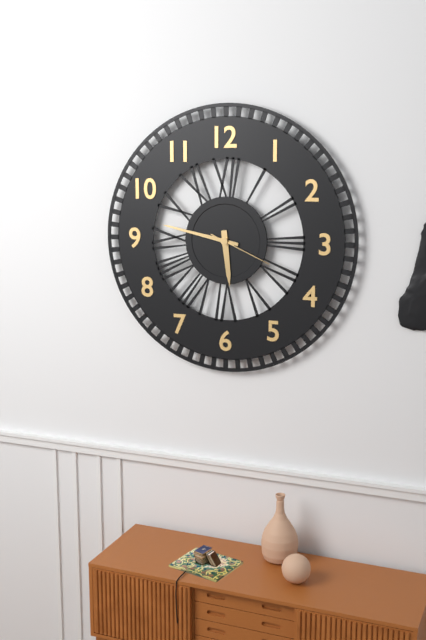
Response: 5:47:19
